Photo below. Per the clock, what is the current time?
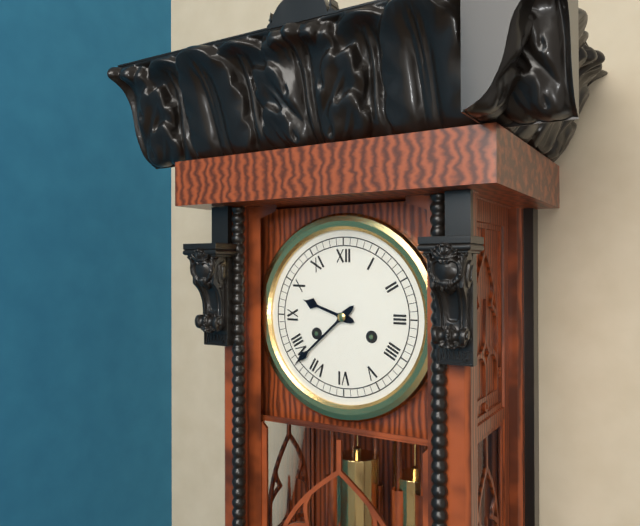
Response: 9:38
